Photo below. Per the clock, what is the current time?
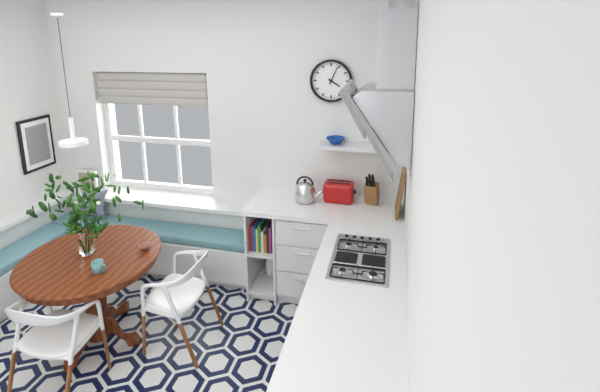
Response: 4:04
